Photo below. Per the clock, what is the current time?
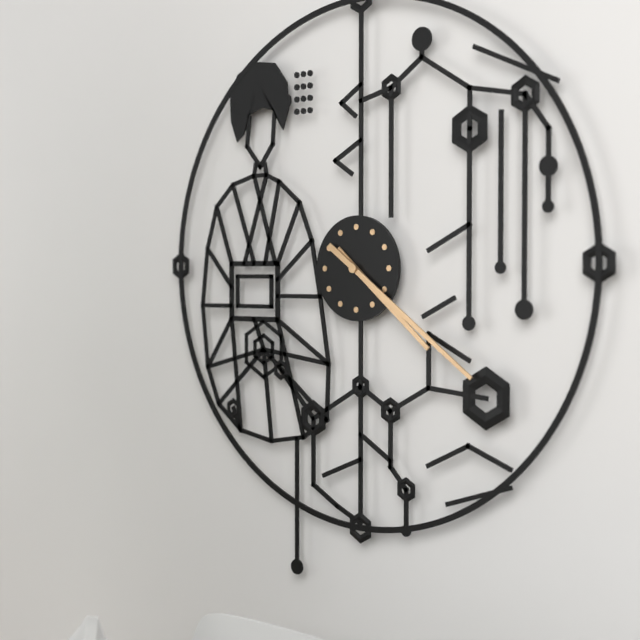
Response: 4:21
